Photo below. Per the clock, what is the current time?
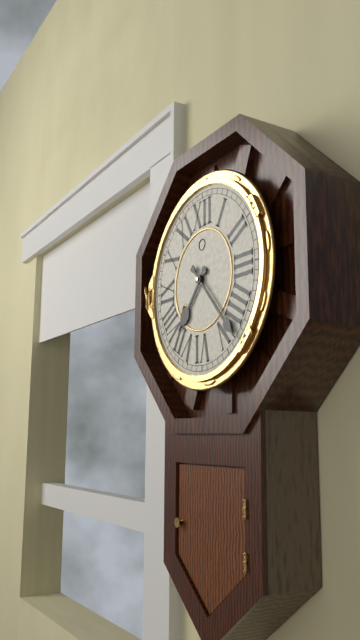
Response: 7:23
